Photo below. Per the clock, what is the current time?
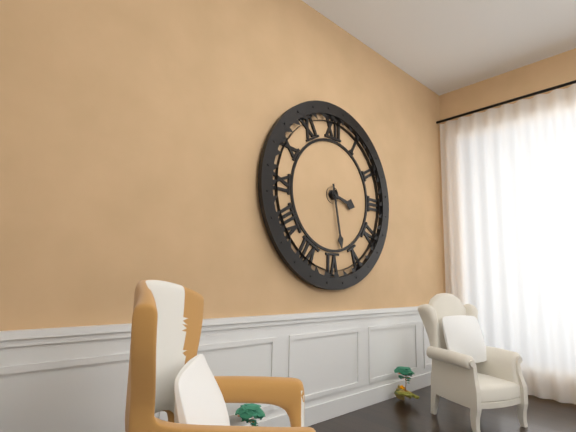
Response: 3:28
